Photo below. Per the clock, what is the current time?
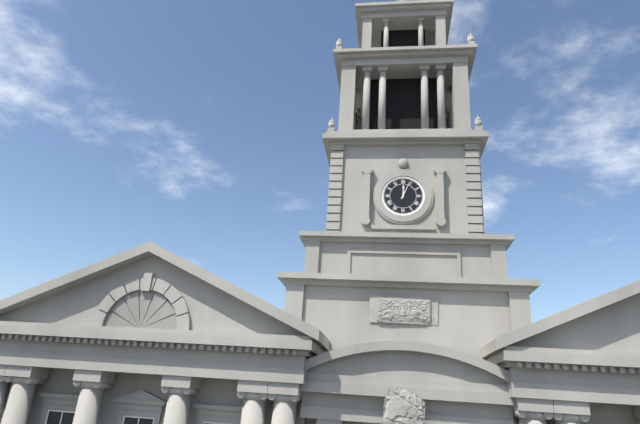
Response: 12:04
